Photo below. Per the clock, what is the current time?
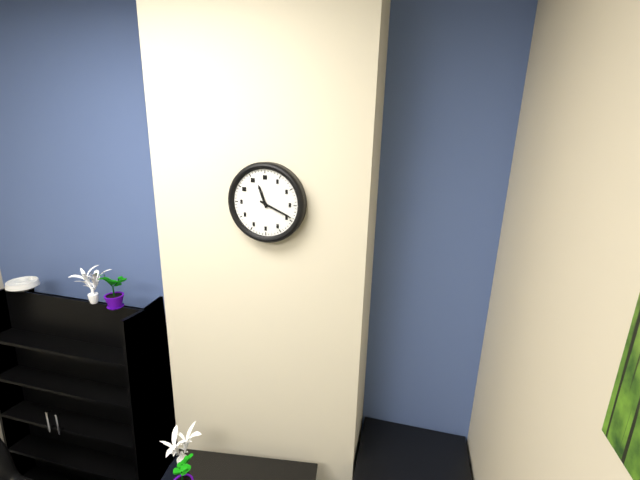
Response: 11:19
